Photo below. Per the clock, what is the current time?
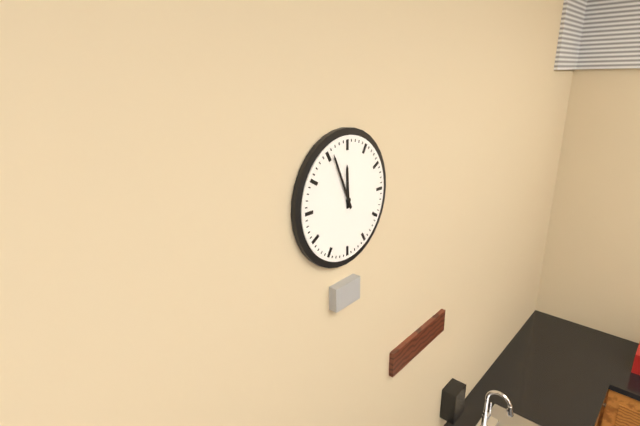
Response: 11:56
